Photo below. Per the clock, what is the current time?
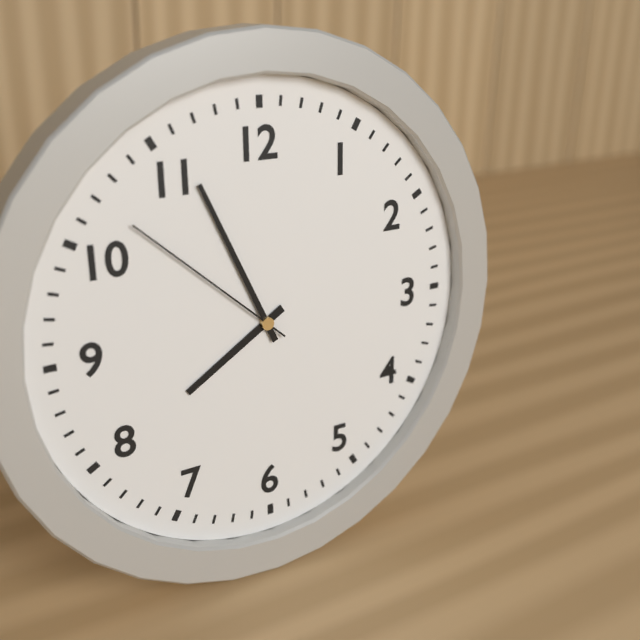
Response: 7:56:52
